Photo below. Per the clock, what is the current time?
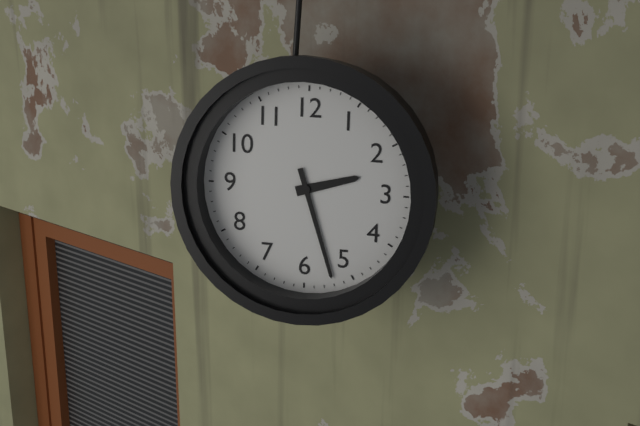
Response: 2:27
